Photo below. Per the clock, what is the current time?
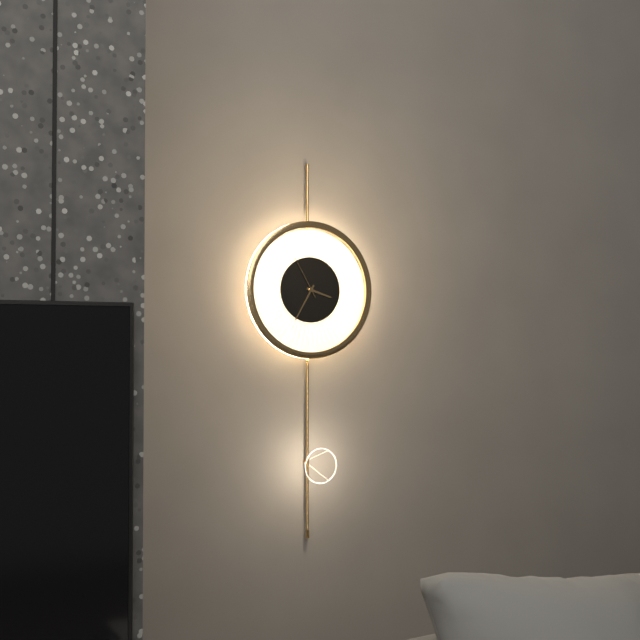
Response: 3:35
